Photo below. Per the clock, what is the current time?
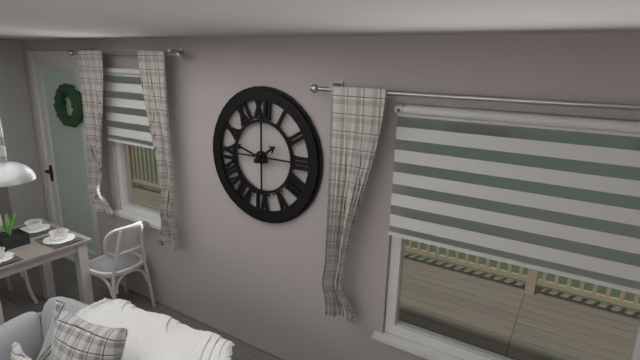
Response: 1:48
